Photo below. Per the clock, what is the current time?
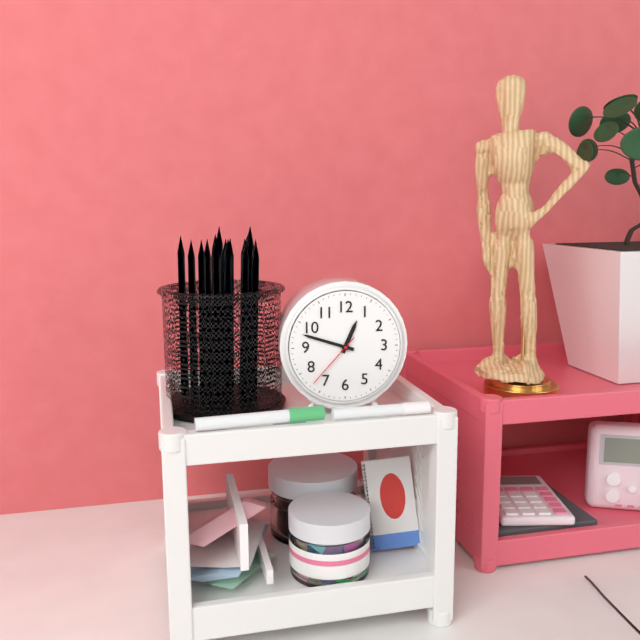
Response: 12:48:37
